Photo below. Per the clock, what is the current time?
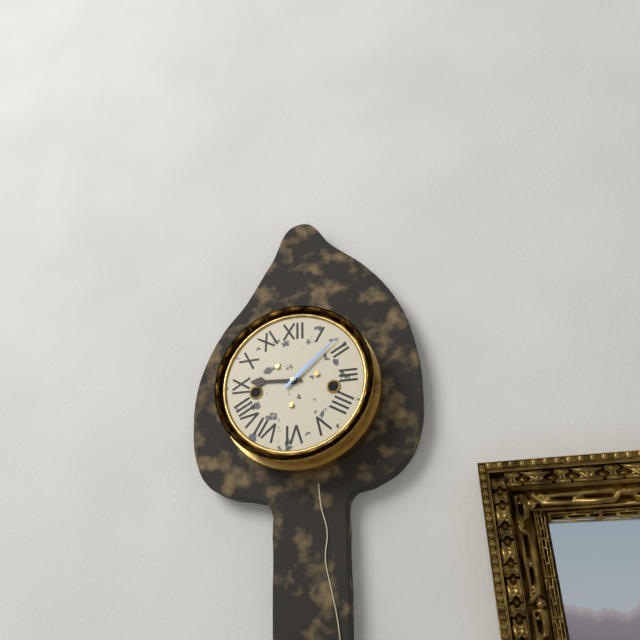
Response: 9:08
